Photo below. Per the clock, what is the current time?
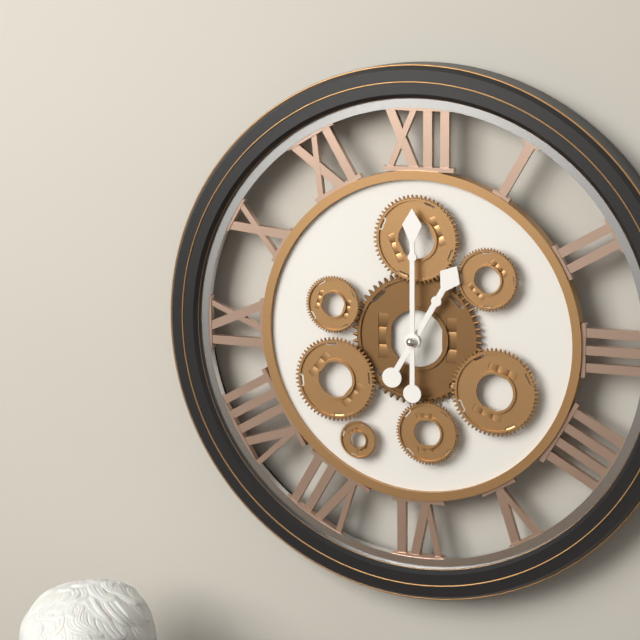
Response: 1:00
